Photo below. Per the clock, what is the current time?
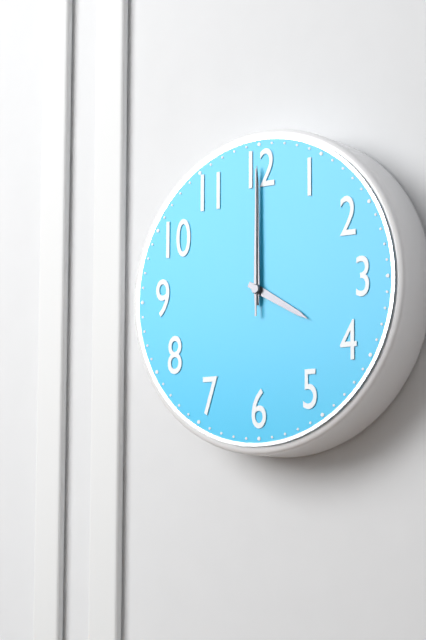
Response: 4:00:00
